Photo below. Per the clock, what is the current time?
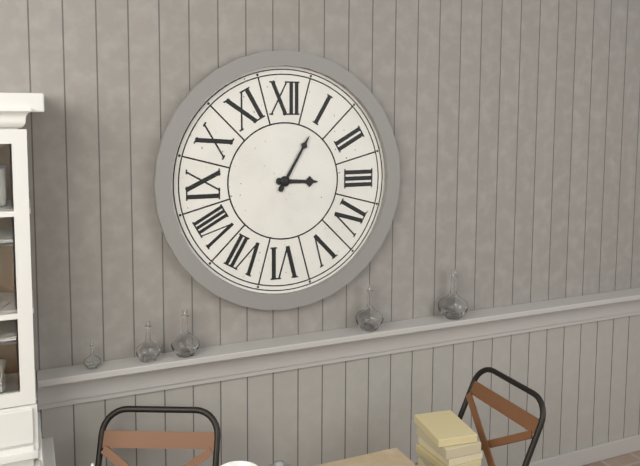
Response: 3:05
